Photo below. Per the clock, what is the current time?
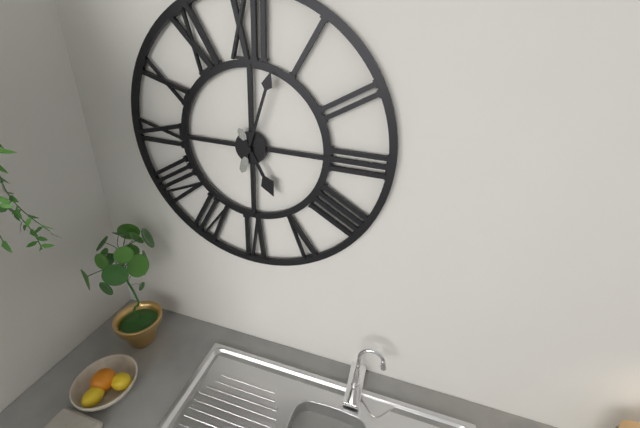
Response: 5:03
